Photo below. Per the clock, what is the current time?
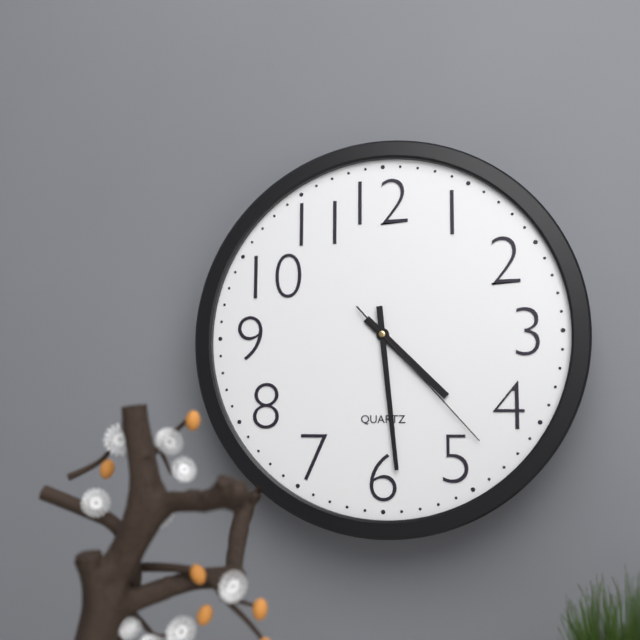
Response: 4:29:23
